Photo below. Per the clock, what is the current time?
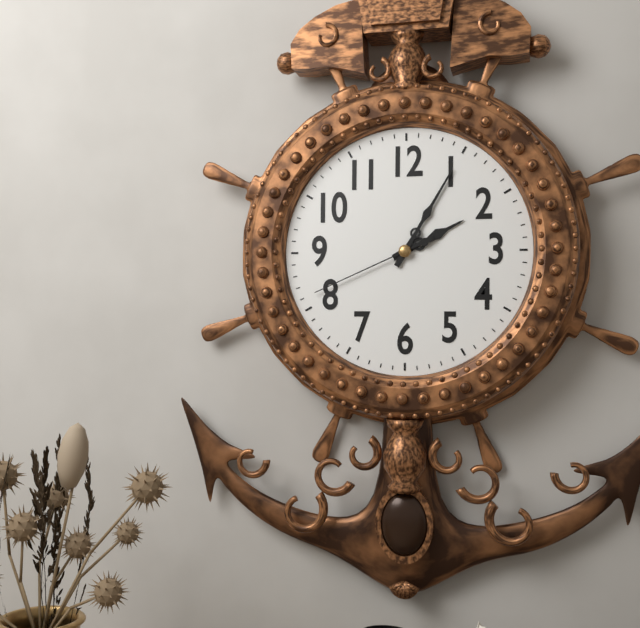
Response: 2:05:41
